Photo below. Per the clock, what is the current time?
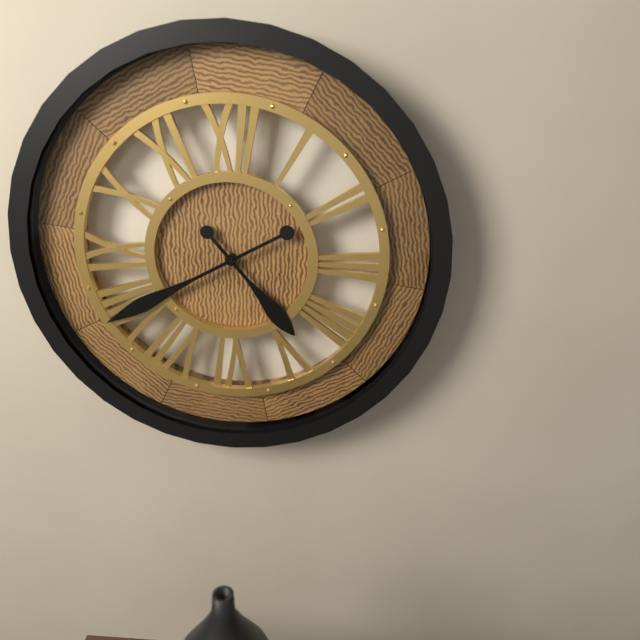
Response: 4:40
